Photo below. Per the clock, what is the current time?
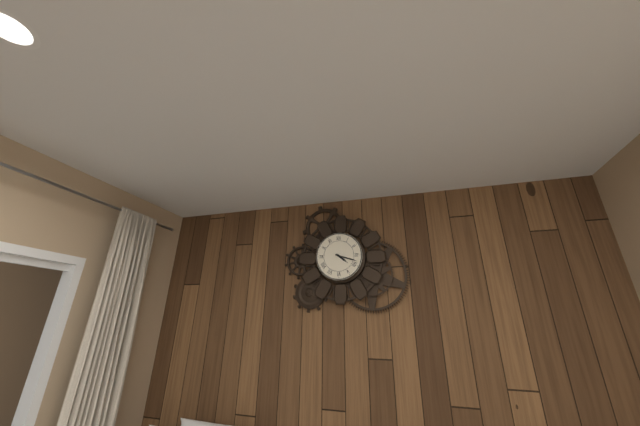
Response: 4:18
